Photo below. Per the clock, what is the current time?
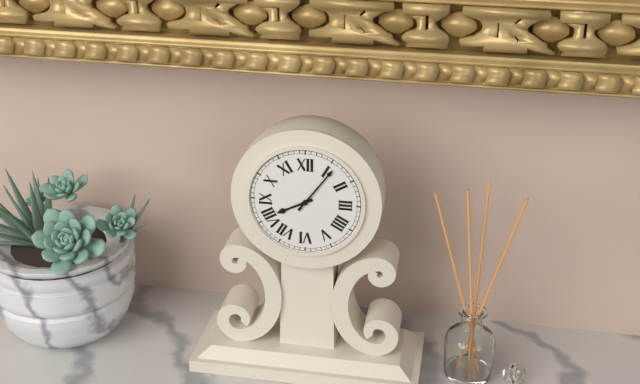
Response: 8:06
